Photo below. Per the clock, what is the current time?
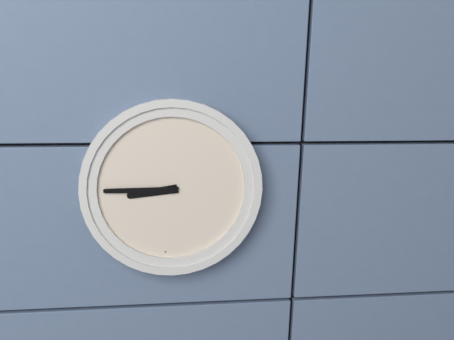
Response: 8:45
